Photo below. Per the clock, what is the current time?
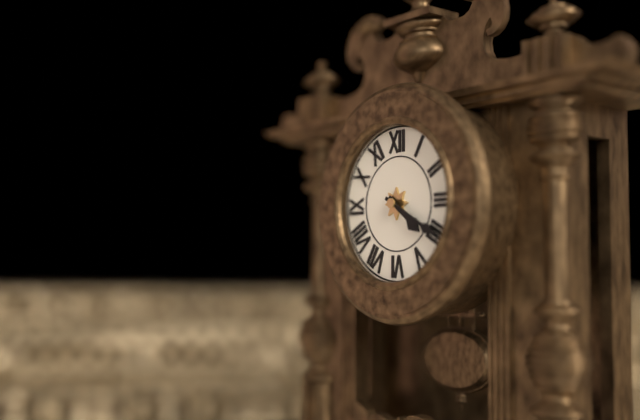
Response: 4:20
